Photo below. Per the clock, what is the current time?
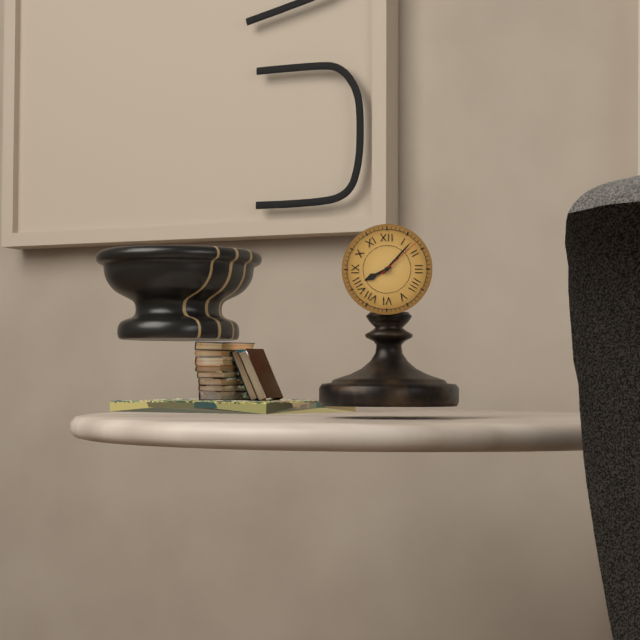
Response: 8:07:08
